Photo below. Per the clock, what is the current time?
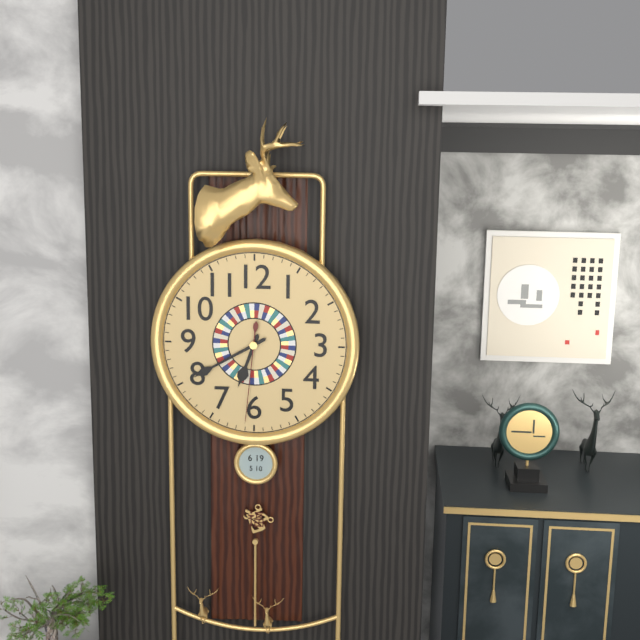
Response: 6:40:31
